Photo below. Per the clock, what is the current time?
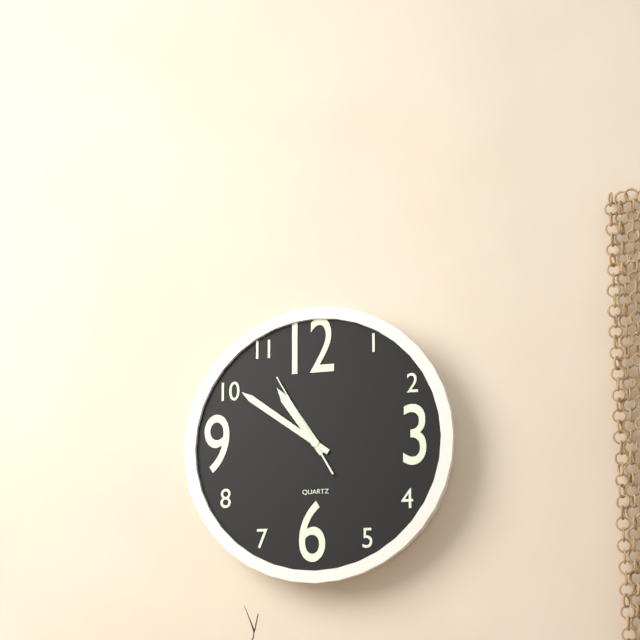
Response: 10:51:55
